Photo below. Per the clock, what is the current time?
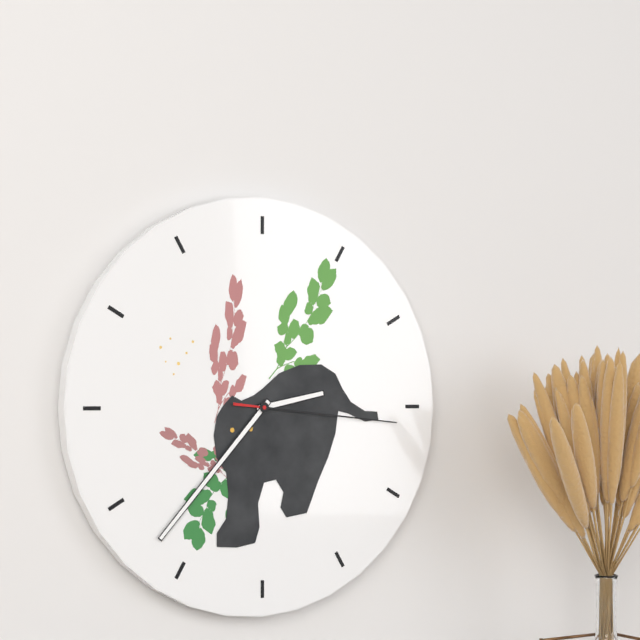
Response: 2:37:16
